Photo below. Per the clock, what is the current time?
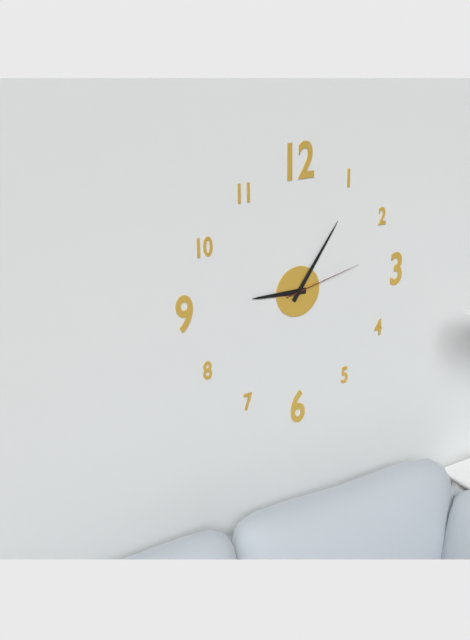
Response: 9:06:13
